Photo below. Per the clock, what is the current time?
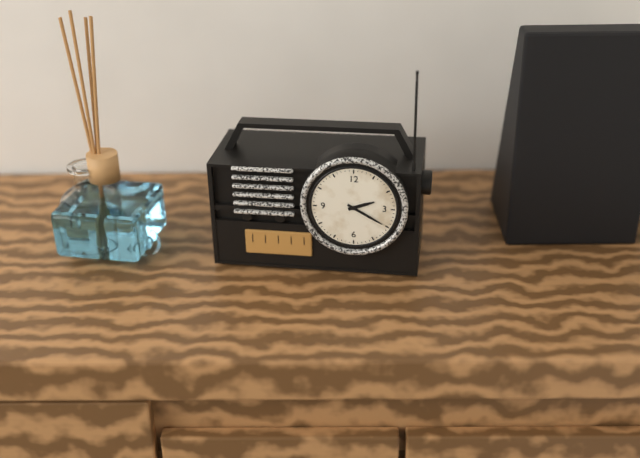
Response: 2:20
